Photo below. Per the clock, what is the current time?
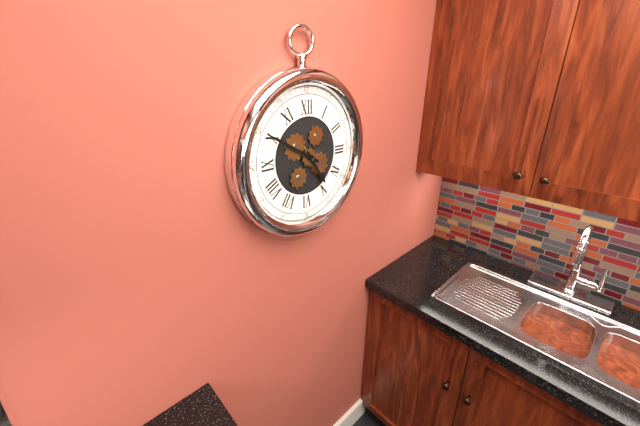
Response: 4:50
